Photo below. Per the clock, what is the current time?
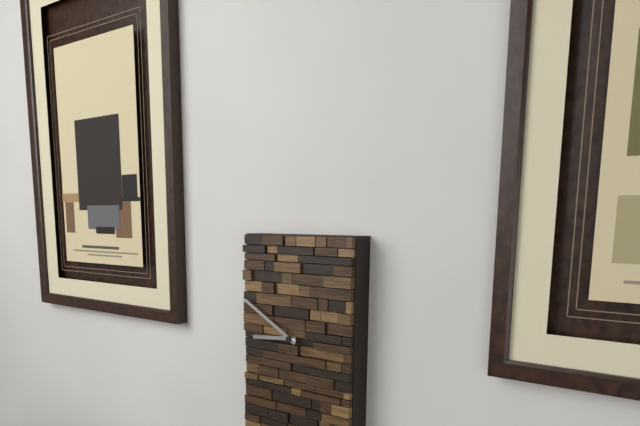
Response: 8:50
